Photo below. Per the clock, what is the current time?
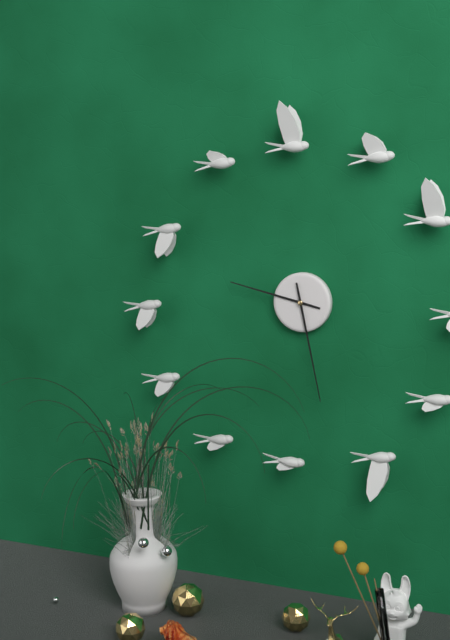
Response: 9:28
